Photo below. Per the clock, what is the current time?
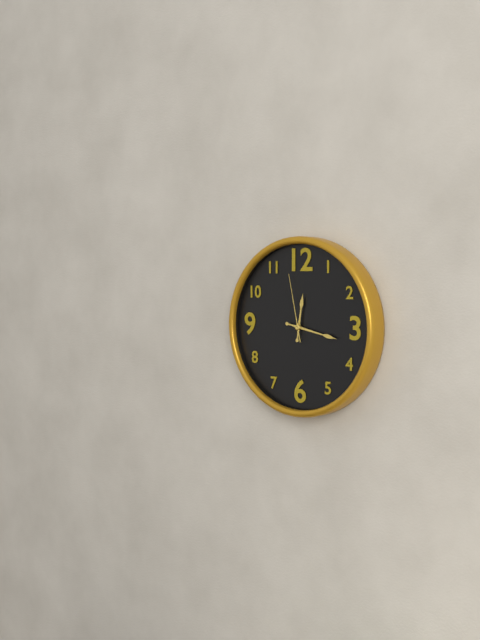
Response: 12:17:58
